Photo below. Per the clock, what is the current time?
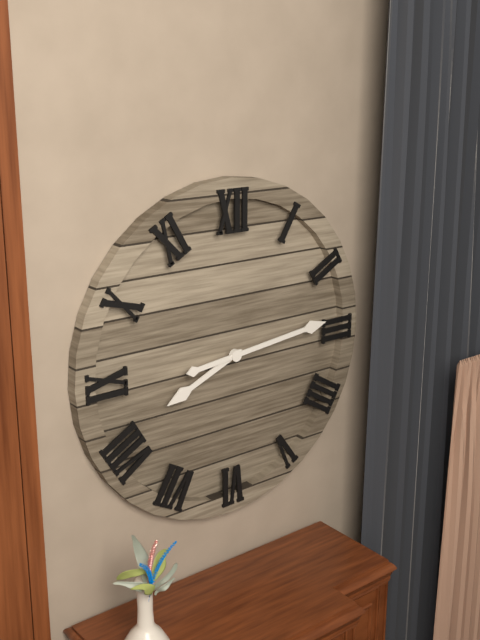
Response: 8:14
